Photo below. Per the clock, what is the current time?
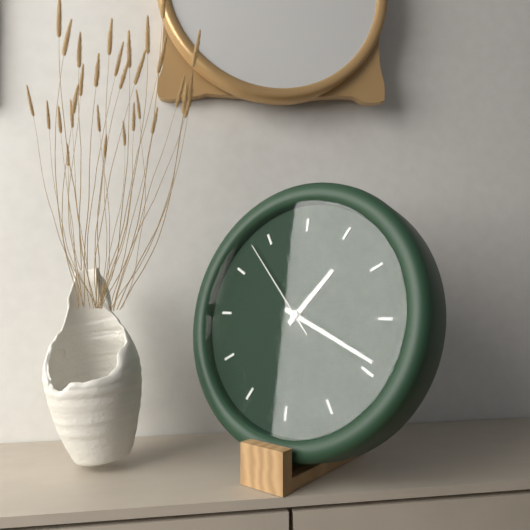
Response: 1:19:53
